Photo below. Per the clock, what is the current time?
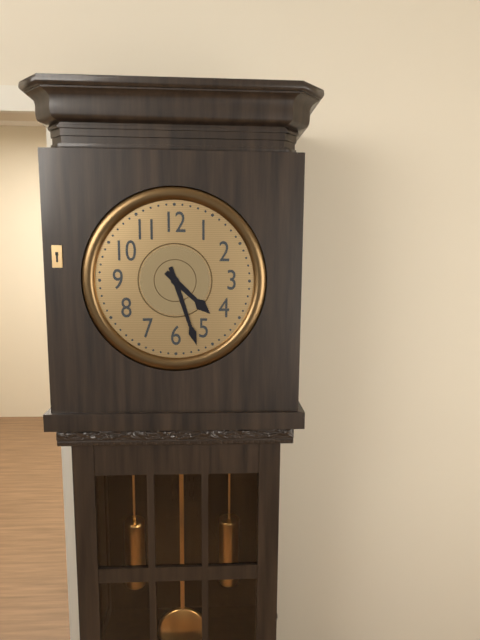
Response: 4:27
